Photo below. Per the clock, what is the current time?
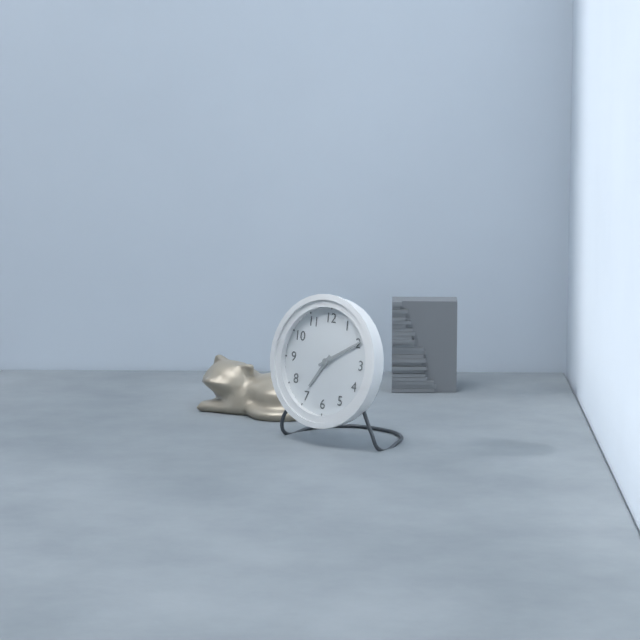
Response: 7:10
